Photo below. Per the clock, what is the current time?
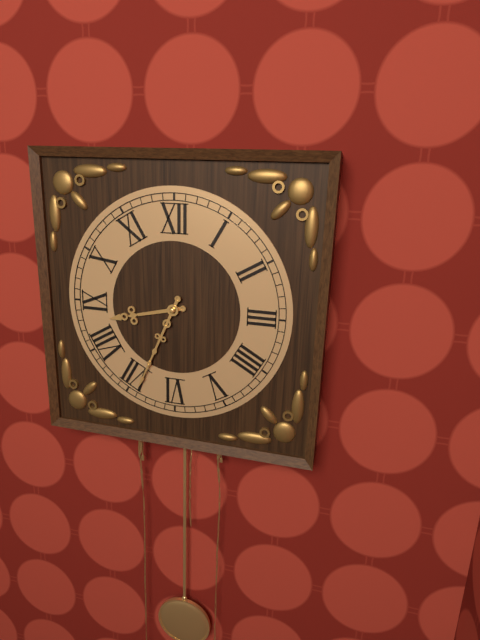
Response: 8:34
